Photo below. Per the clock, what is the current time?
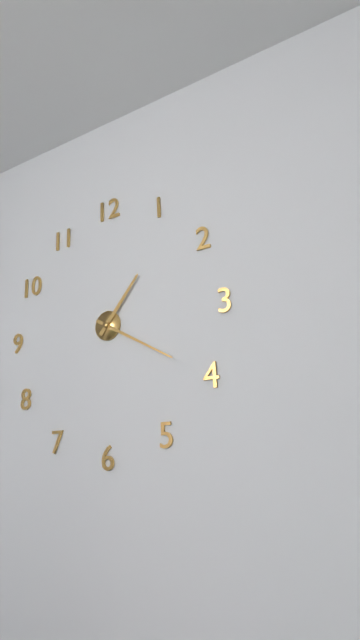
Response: 1:20
